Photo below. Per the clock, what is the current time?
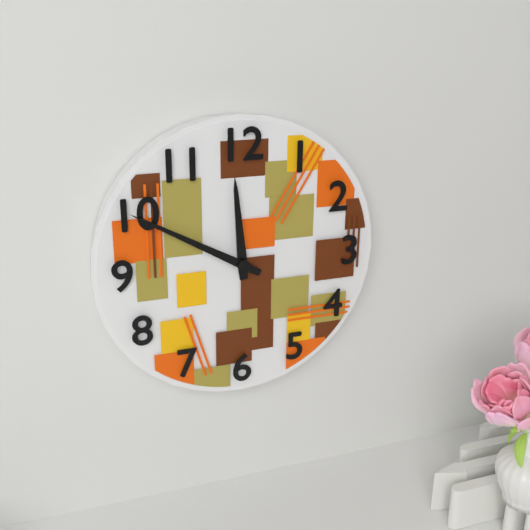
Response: 11:50
